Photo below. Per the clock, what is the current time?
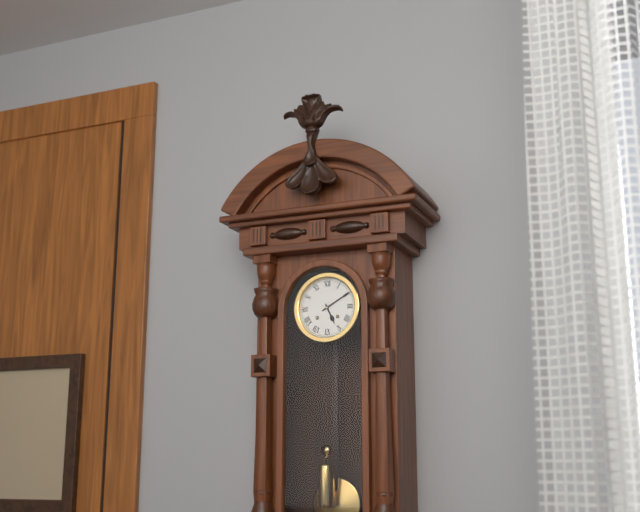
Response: 5:10
